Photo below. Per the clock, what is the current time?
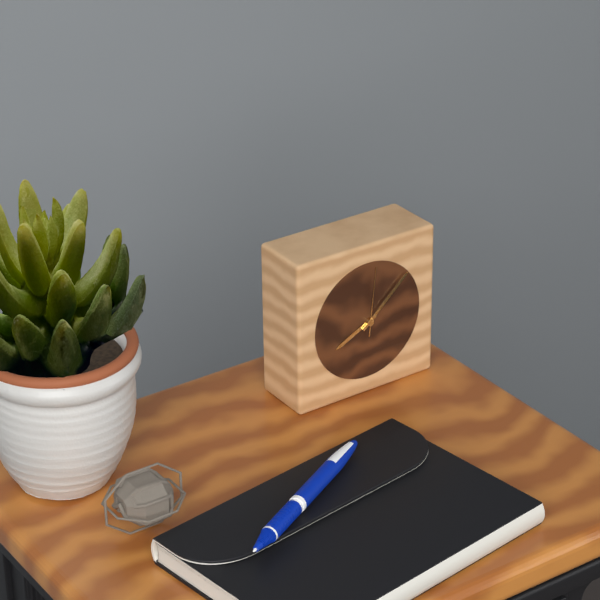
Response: 8:08:01
